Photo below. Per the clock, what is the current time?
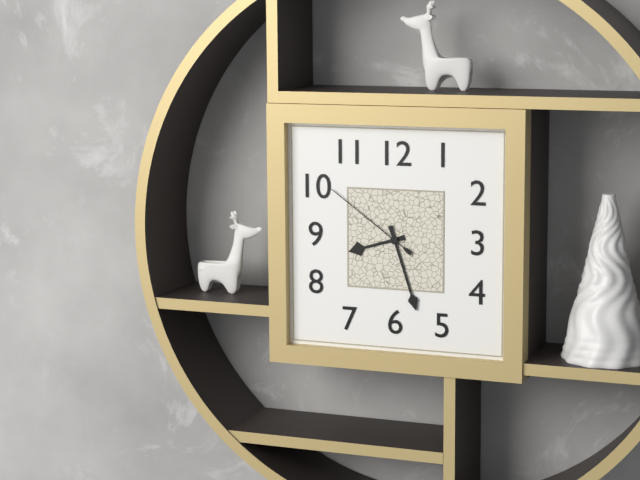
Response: 8:27:51
